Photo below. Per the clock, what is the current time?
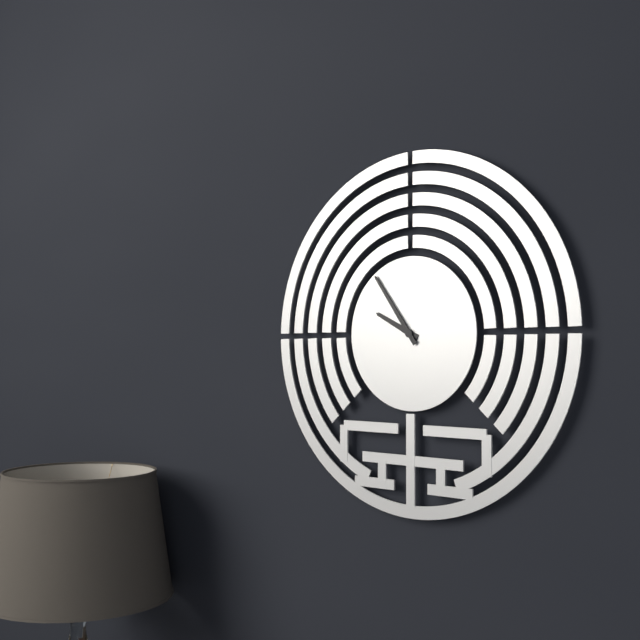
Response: 9:54
